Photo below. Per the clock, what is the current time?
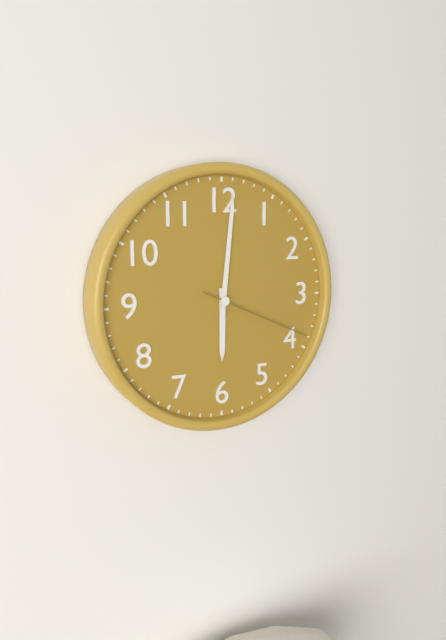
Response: 6:01:19
